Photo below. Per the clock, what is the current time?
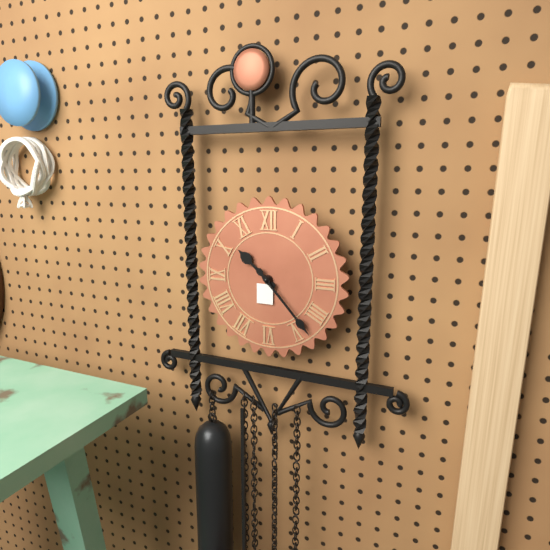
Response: 10:23
